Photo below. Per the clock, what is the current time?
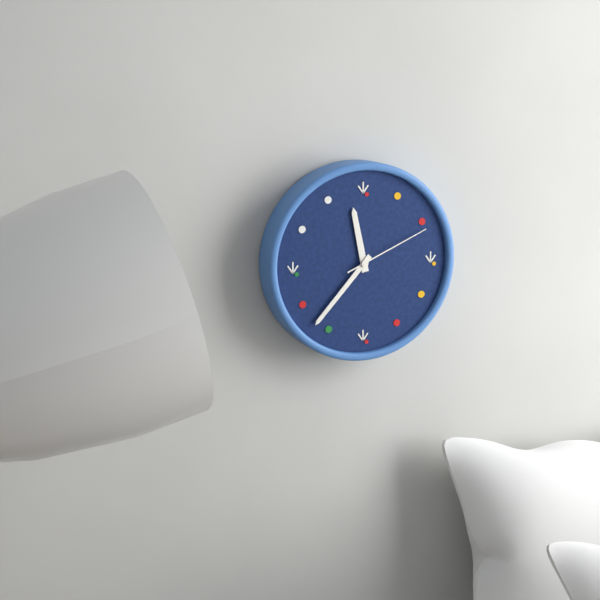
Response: 11:37:11
